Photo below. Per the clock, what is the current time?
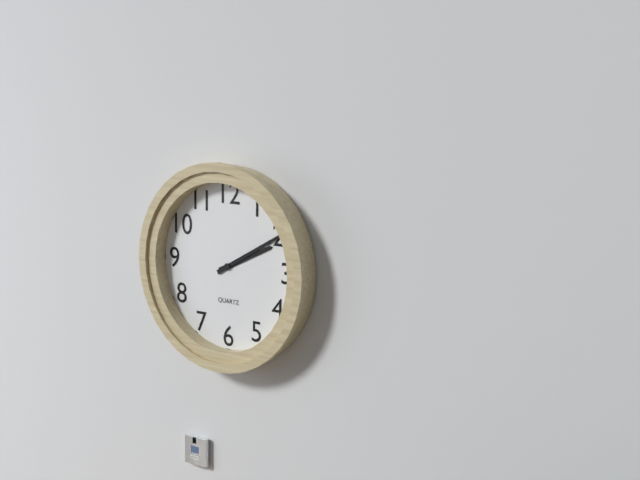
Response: 2:10
